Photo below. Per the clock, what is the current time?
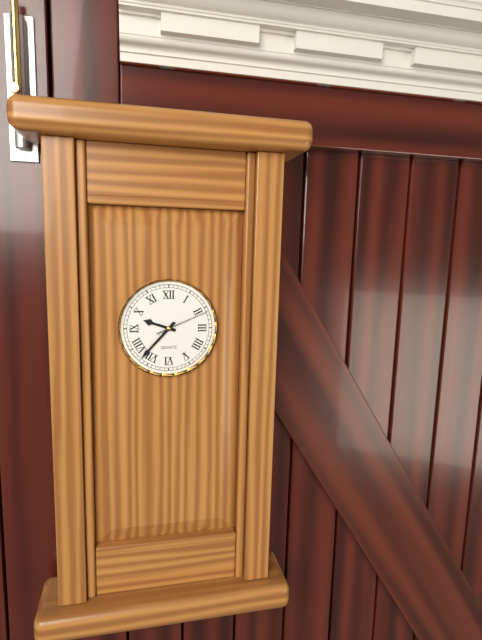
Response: 9:37:11
